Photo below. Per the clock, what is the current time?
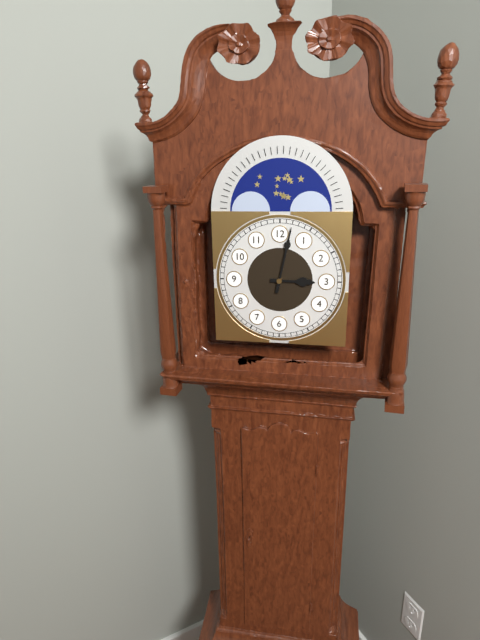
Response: 3:02
